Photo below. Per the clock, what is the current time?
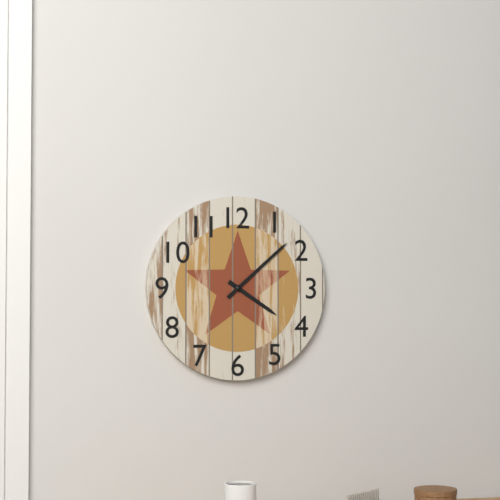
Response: 4:08
